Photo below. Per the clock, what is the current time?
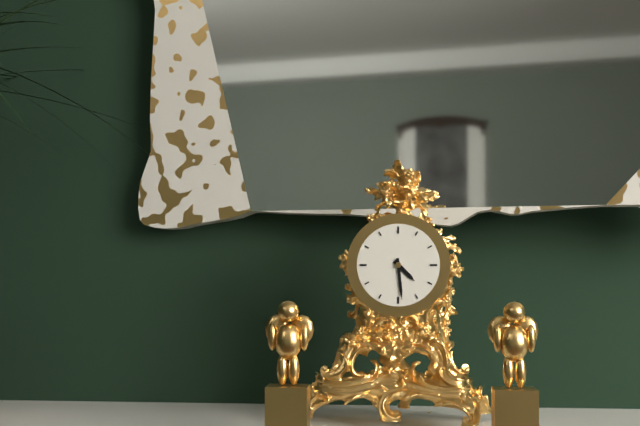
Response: 4:29
